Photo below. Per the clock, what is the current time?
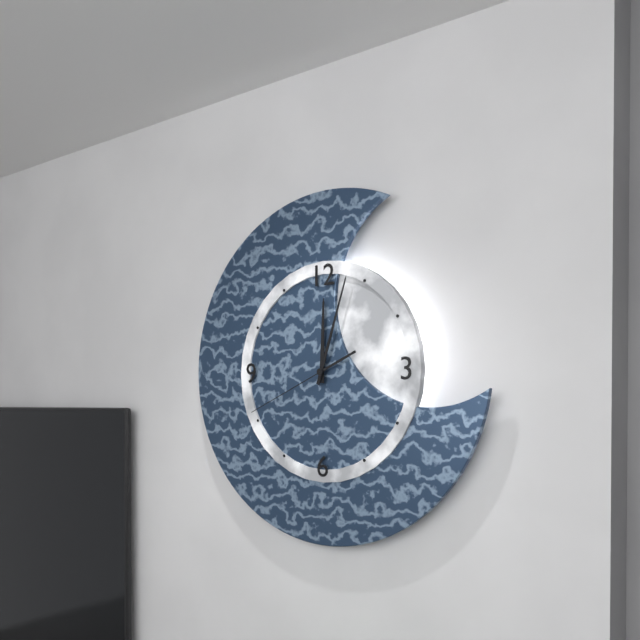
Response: 12:03:41
